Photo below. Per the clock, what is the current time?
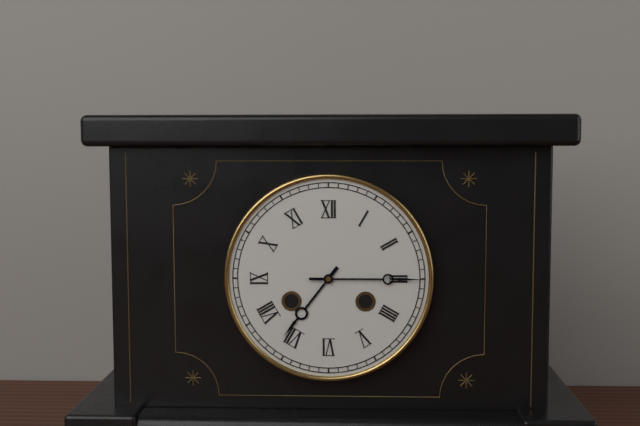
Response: 7:15
